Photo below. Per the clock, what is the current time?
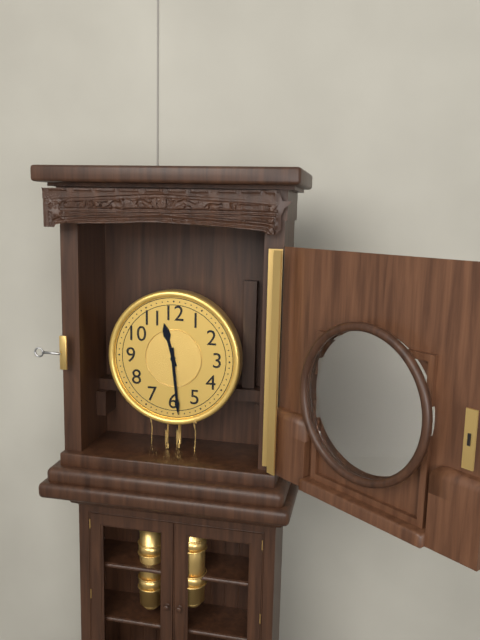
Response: 11:29
